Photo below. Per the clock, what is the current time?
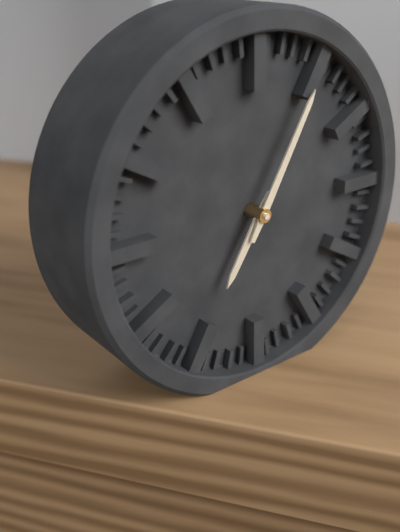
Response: 7:05
